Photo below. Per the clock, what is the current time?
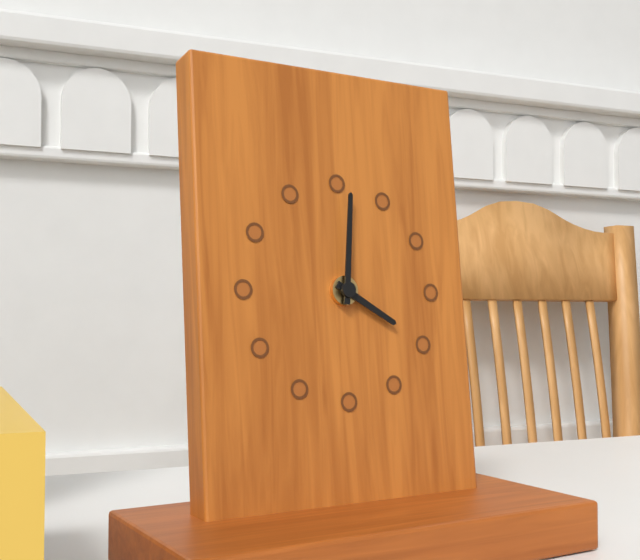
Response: 4:01
